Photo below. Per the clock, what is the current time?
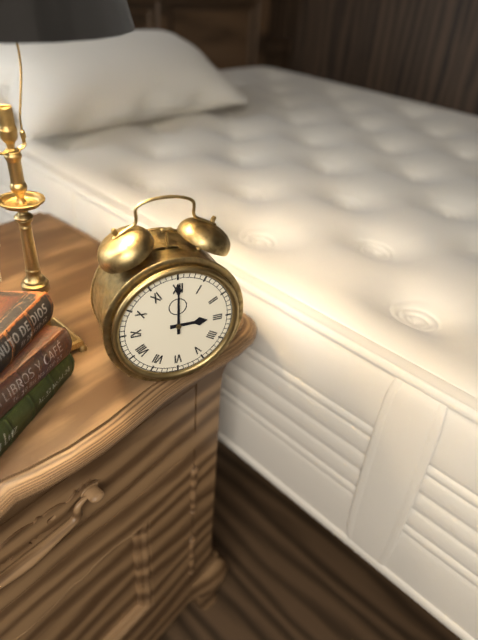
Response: 3:00
